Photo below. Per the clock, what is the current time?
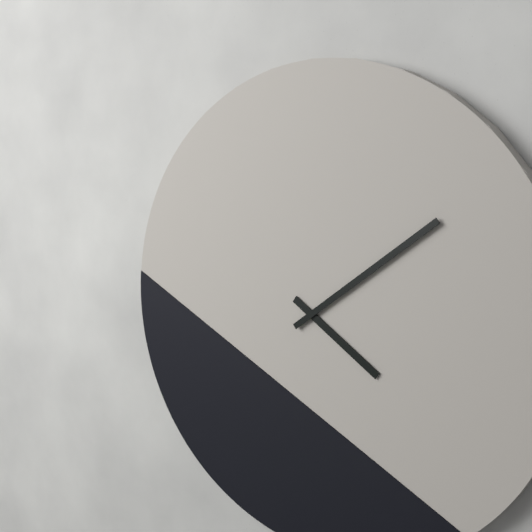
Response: 4:09
